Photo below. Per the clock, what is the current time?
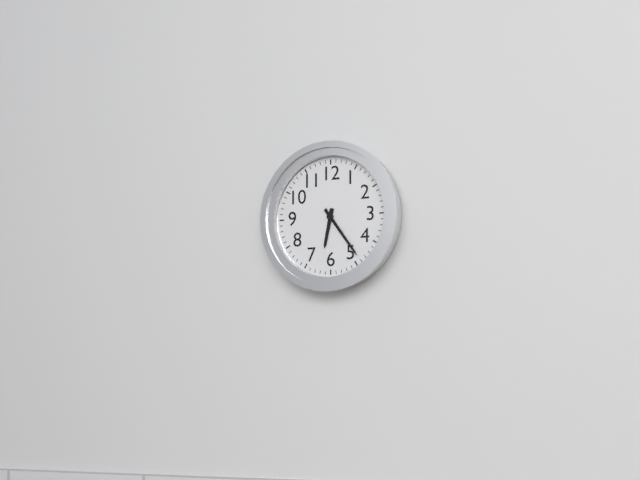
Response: 6:24
